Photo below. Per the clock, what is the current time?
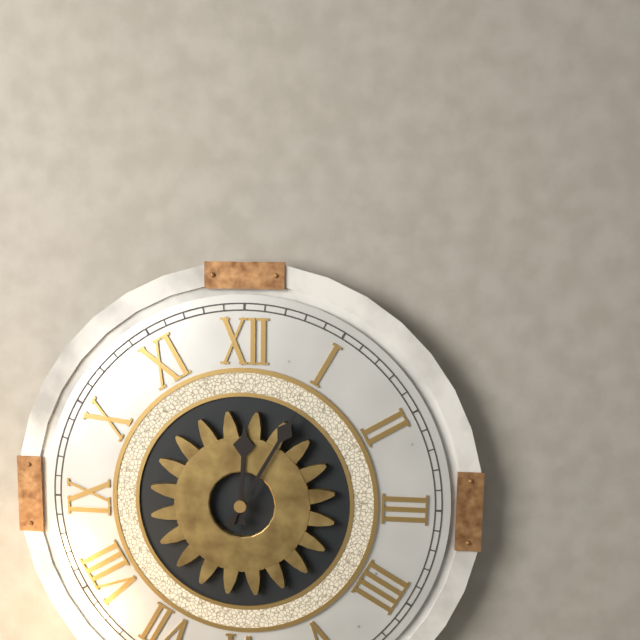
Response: 12:05
